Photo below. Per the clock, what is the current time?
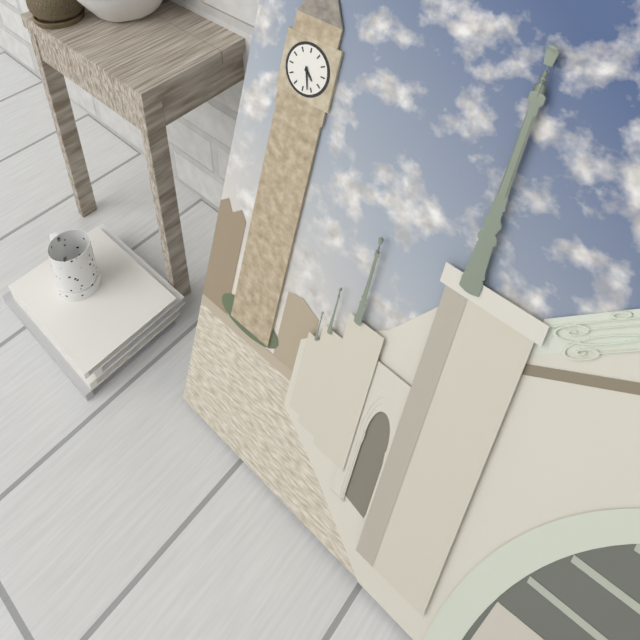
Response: 4:27
